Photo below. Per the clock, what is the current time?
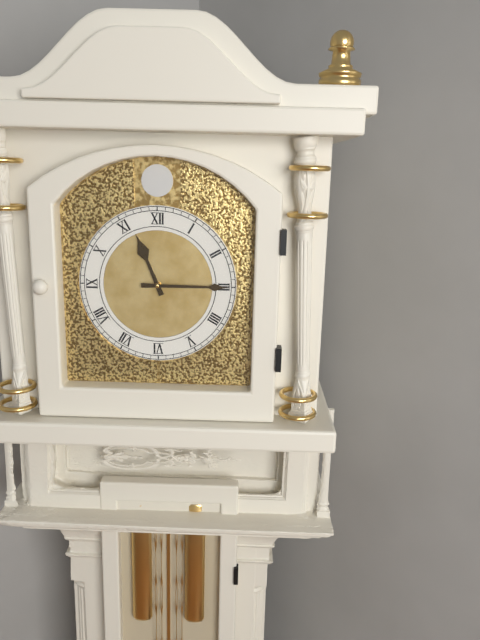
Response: 11:15
